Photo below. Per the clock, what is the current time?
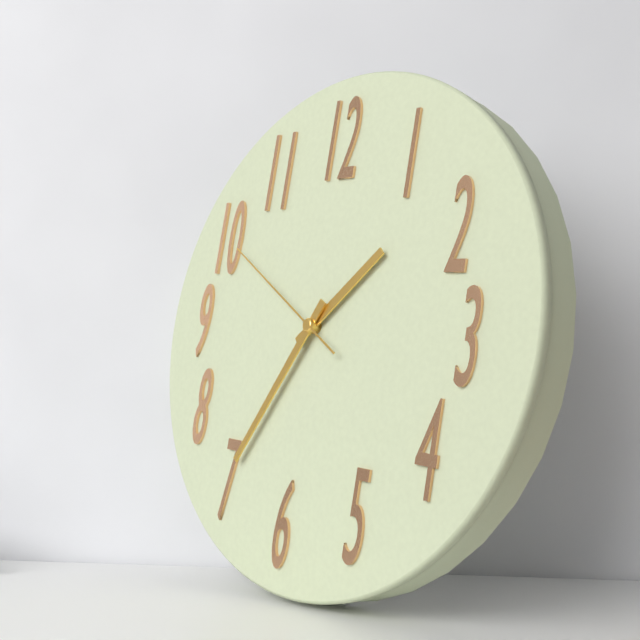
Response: 1:35:50
